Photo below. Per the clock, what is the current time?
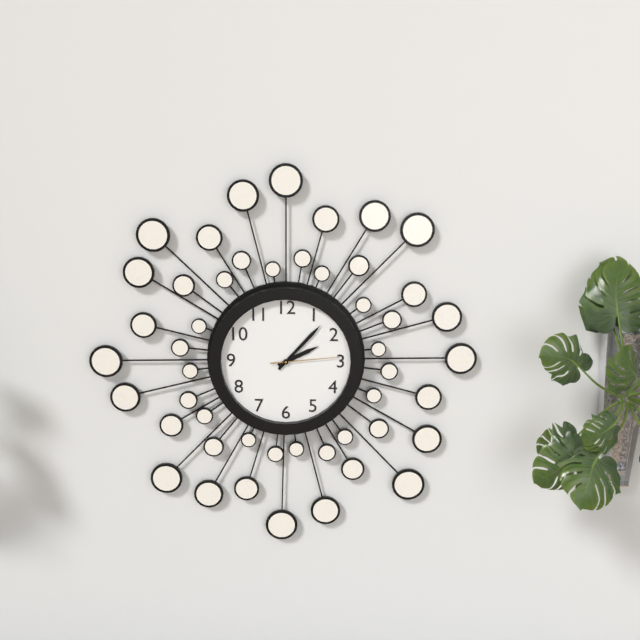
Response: 2:07:14
